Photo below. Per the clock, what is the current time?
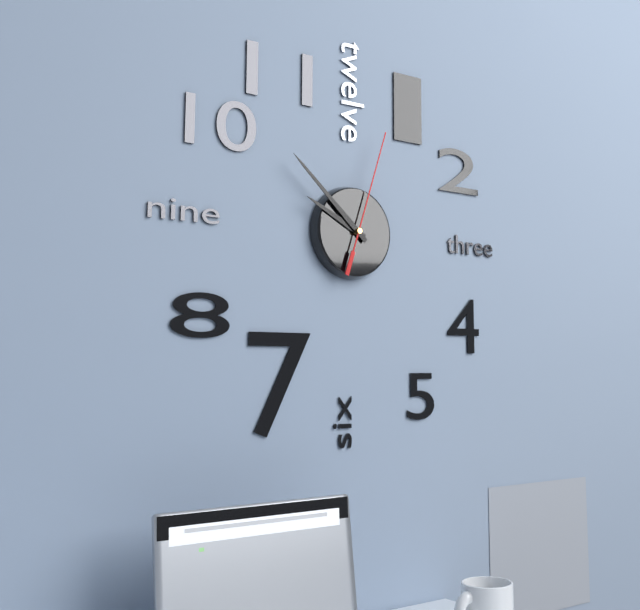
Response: 9:52:03
